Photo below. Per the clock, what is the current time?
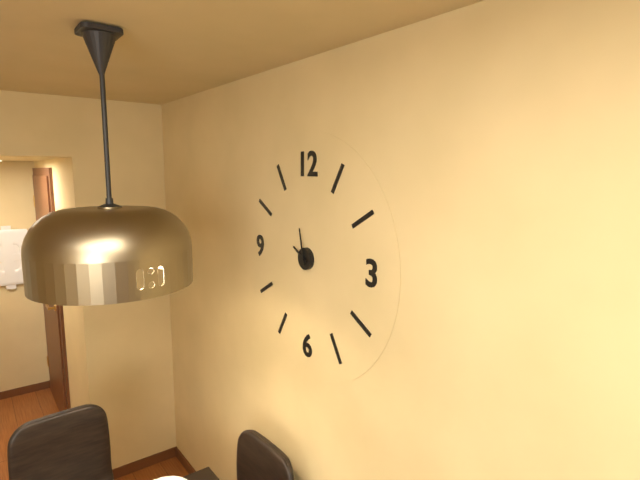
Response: 9:58
